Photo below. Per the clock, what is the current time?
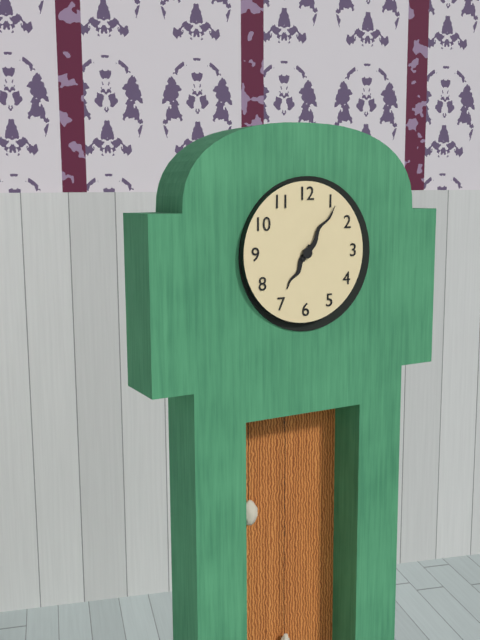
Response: 7:06
